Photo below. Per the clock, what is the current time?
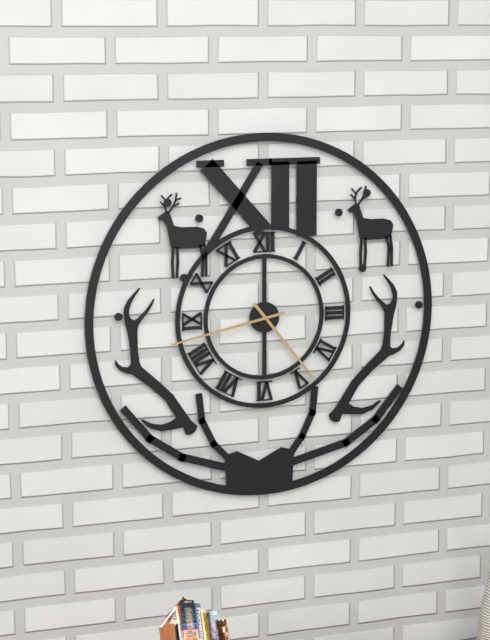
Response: 4:43
